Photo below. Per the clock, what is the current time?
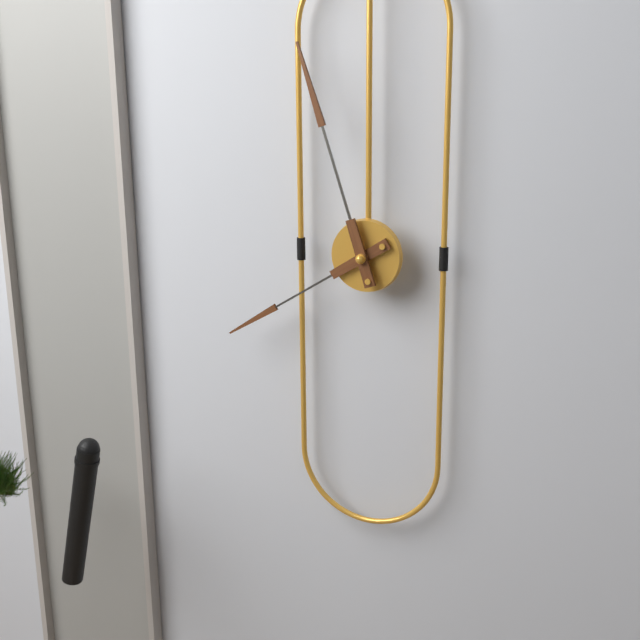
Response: 7:57
